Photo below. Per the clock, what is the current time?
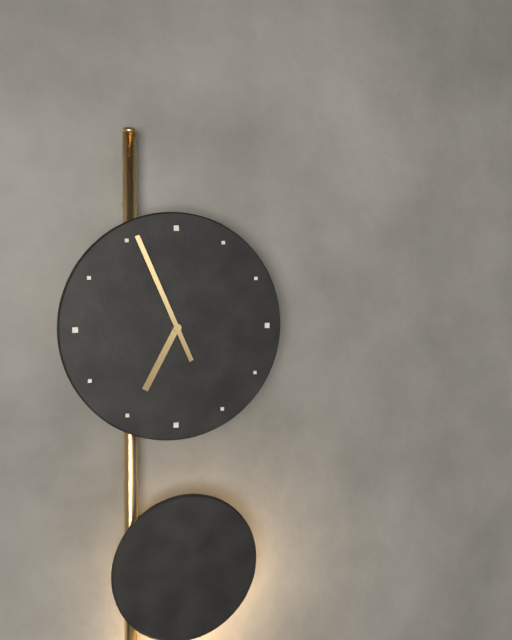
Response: 6:56
